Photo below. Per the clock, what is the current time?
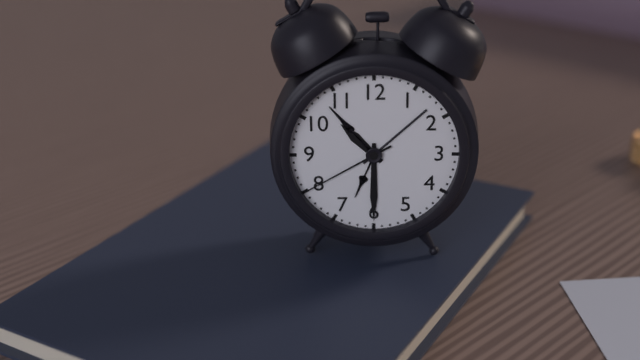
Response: 10:30:40
